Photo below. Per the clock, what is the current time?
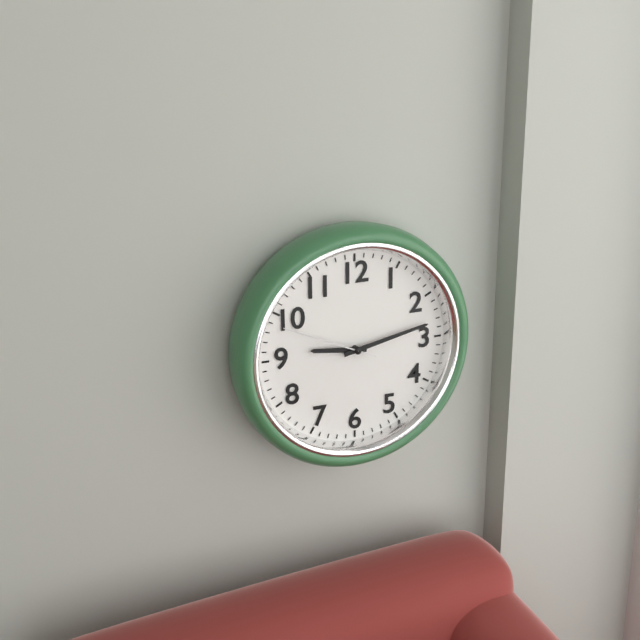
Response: 9:13:49
